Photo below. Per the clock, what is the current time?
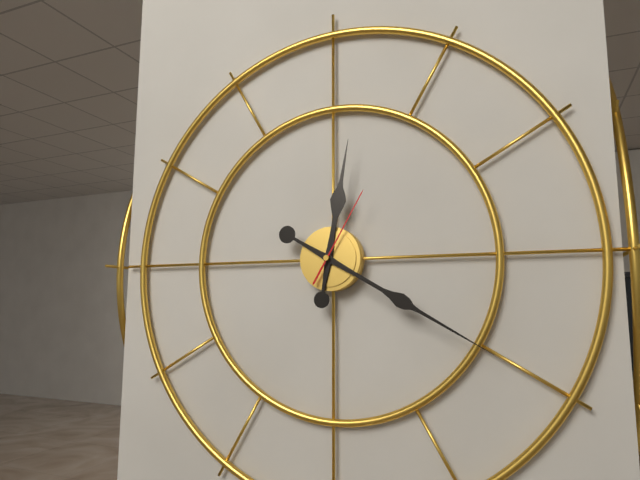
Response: 12:20:05
